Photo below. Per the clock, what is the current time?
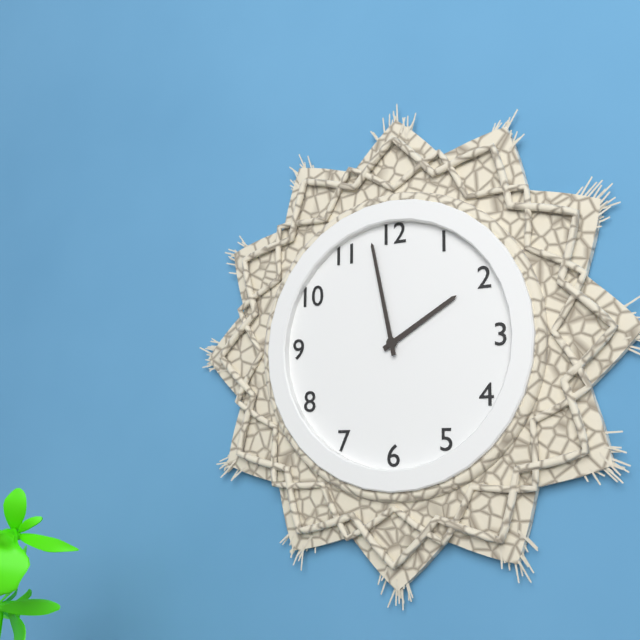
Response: 1:58
